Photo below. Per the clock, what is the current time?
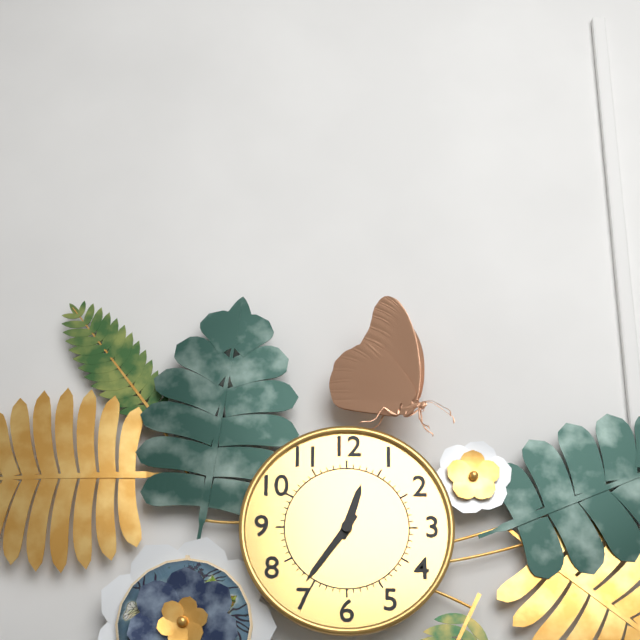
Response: 12:36
